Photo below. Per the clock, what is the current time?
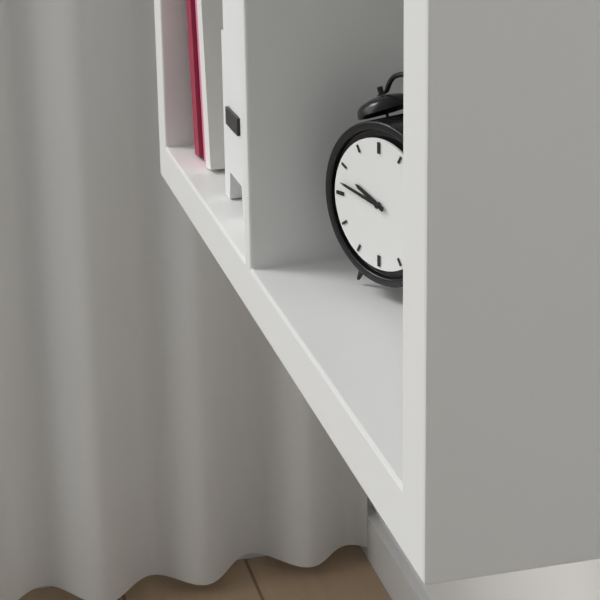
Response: 9:47
